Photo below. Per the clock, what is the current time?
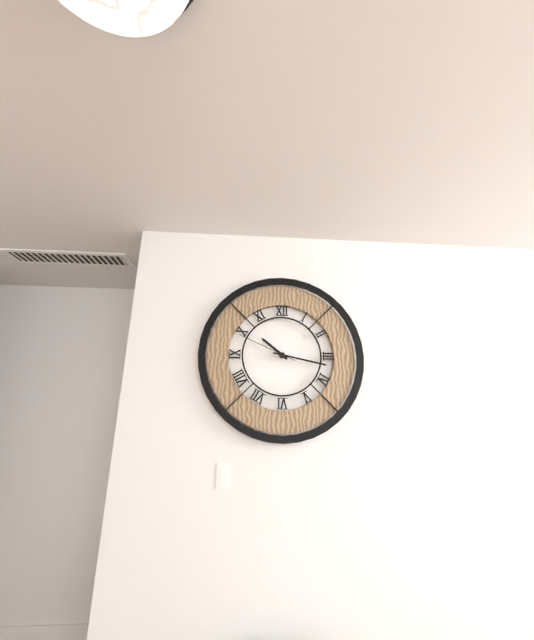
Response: 10:17:49
